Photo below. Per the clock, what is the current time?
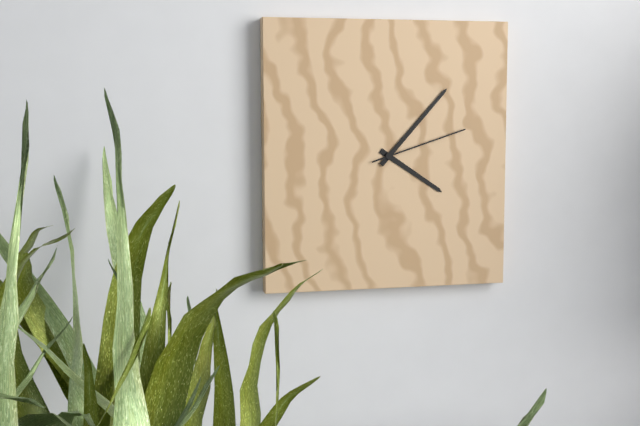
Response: 4:07:12
